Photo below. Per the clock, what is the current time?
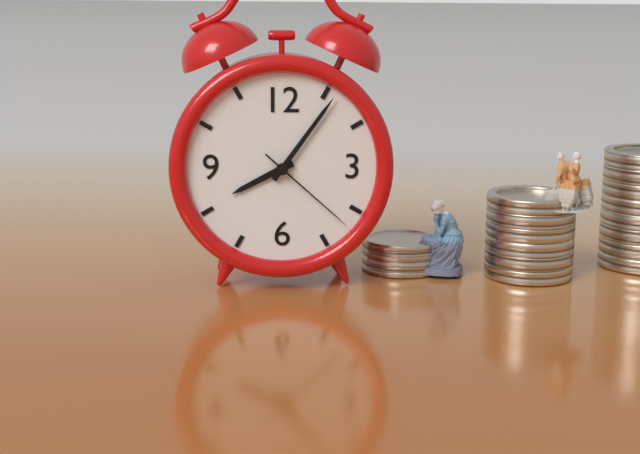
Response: 8:06:22
